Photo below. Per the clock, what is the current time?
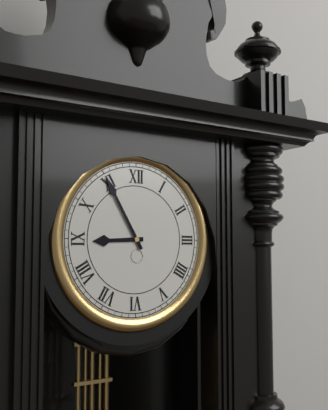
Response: 8:55
